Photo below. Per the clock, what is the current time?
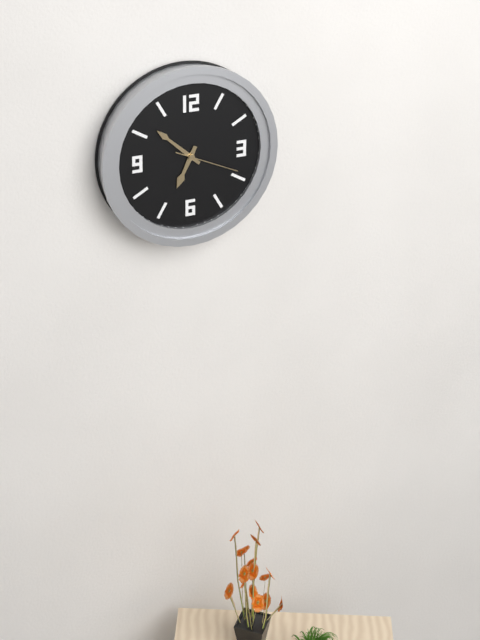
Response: 6:52:19
